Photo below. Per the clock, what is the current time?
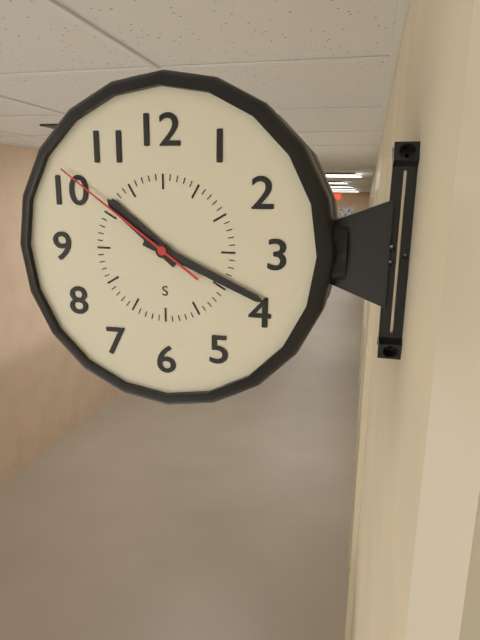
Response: 10:19:51
